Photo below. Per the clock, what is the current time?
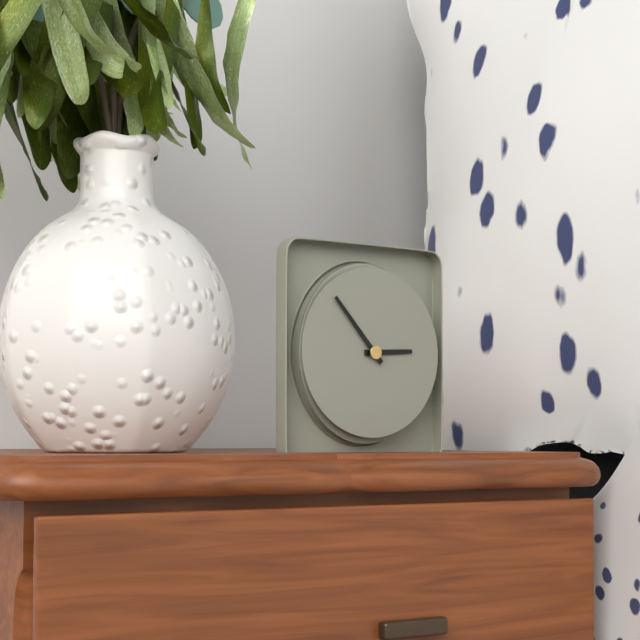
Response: 2:53
